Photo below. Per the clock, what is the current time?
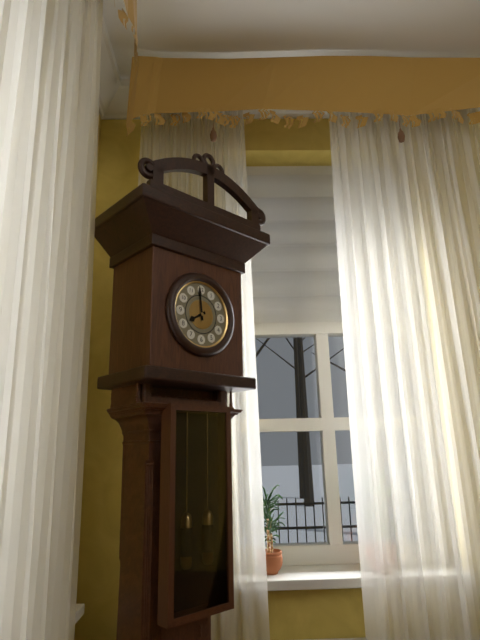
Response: 7:59
